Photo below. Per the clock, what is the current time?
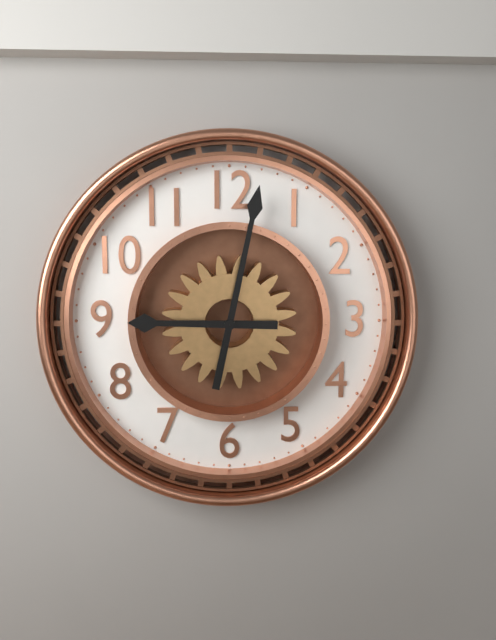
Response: 9:02
